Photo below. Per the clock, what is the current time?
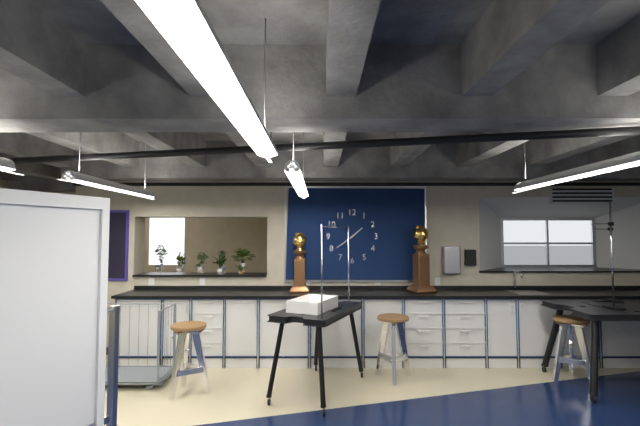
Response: 1:39
